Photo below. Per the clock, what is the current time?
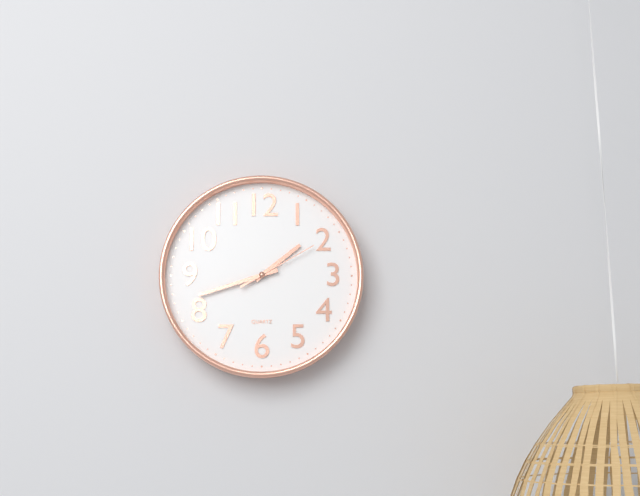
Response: 1:42:10
